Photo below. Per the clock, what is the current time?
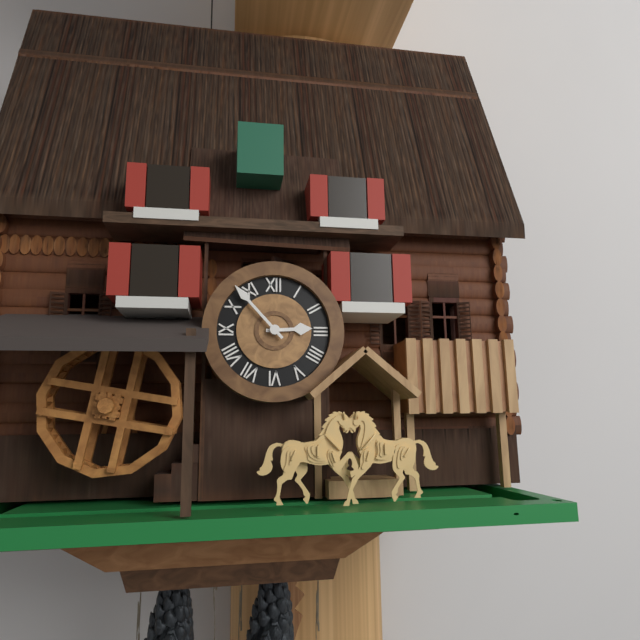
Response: 2:53
